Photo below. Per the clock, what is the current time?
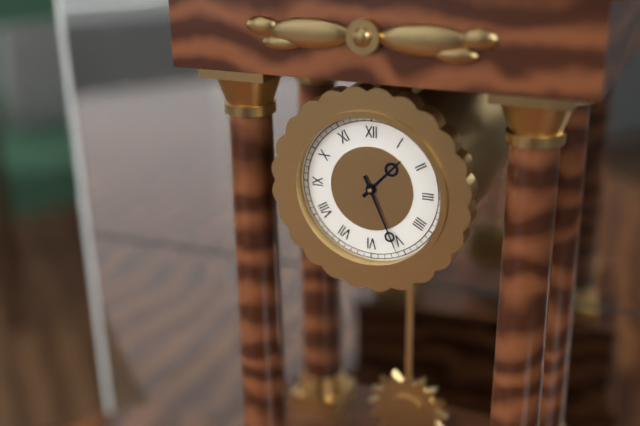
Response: 1:26
